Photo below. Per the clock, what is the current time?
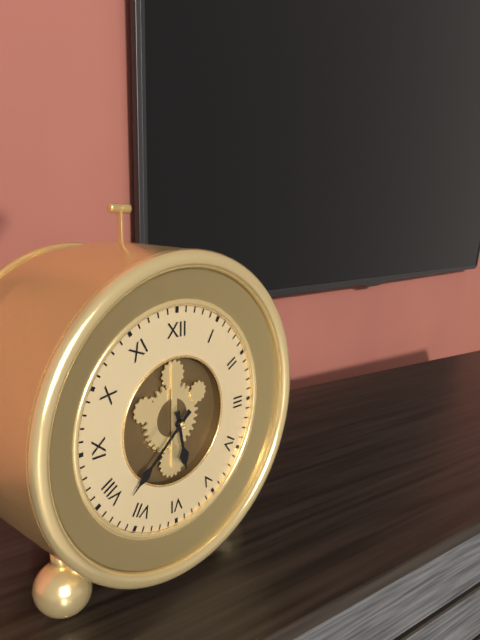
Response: 5:38
